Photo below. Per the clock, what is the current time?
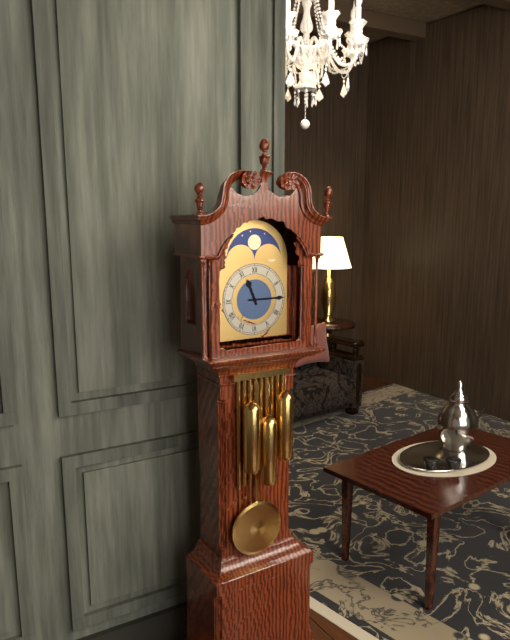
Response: 11:15
